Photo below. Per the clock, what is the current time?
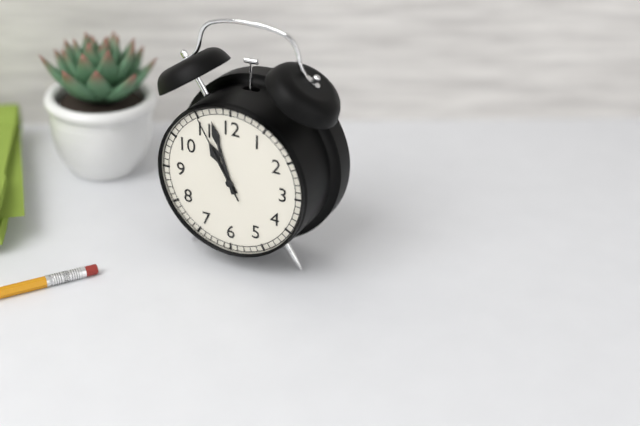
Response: 10:57:55
